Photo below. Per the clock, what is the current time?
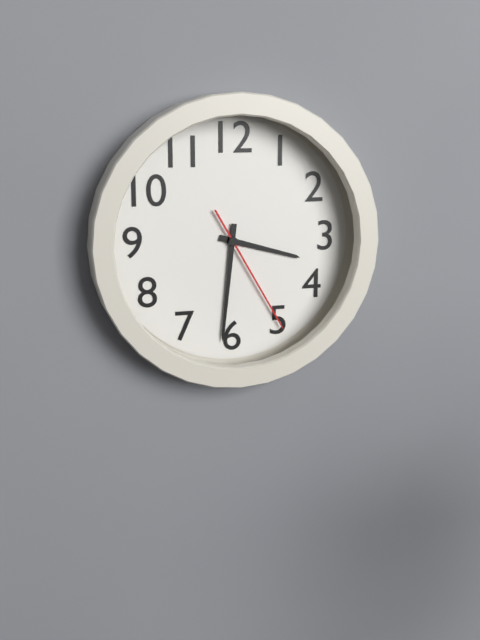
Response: 3:31:25
